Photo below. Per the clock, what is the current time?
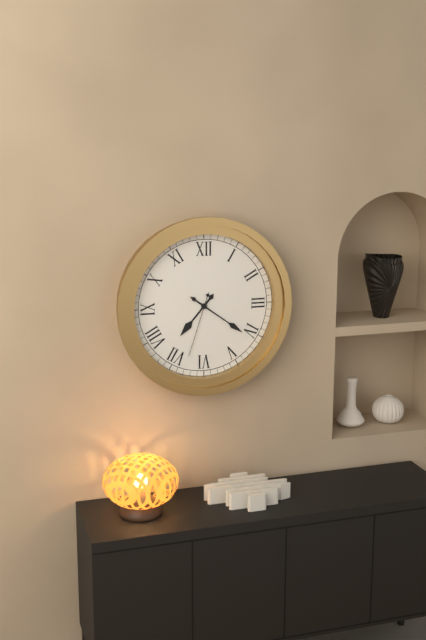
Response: 7:21:33
